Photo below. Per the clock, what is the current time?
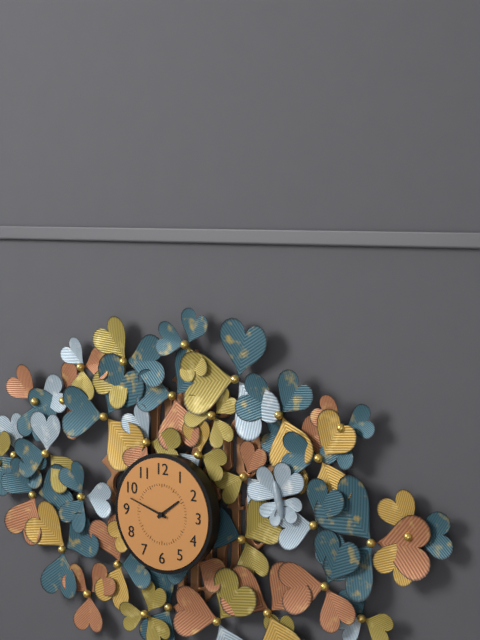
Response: 1:48
